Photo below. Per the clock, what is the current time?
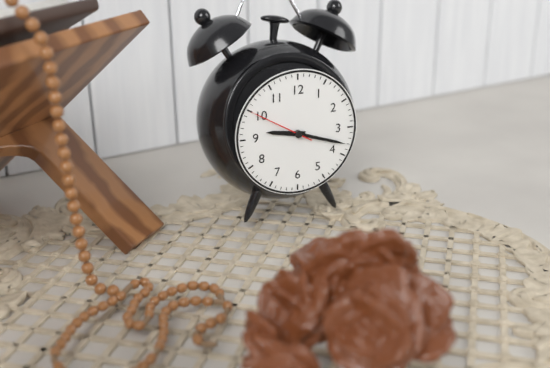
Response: 9:18:50
